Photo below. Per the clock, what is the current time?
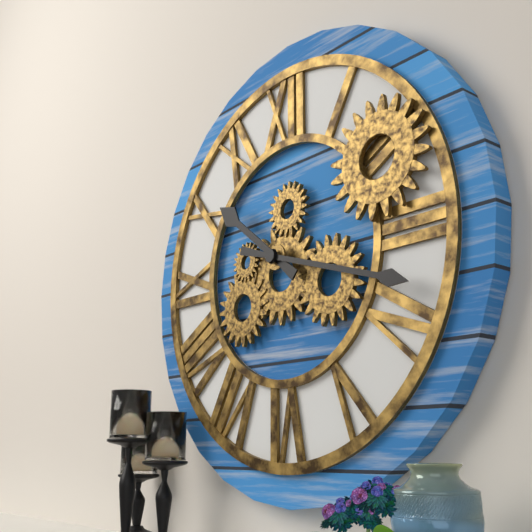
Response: 10:18
